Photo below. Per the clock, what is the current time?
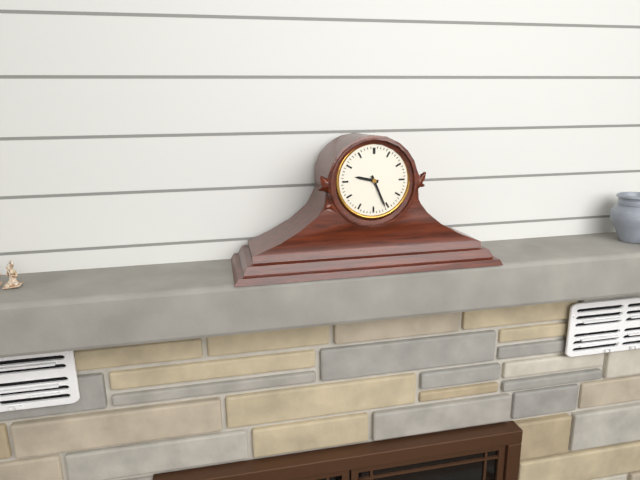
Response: 9:26
